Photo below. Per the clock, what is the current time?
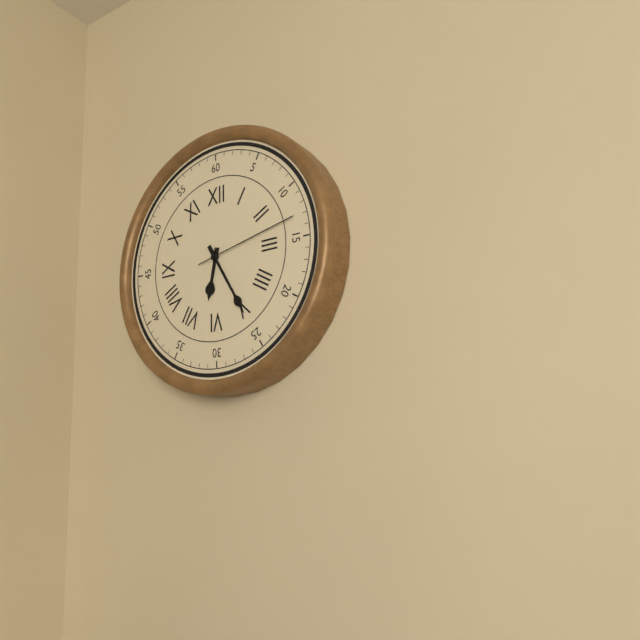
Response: 6:25:13
